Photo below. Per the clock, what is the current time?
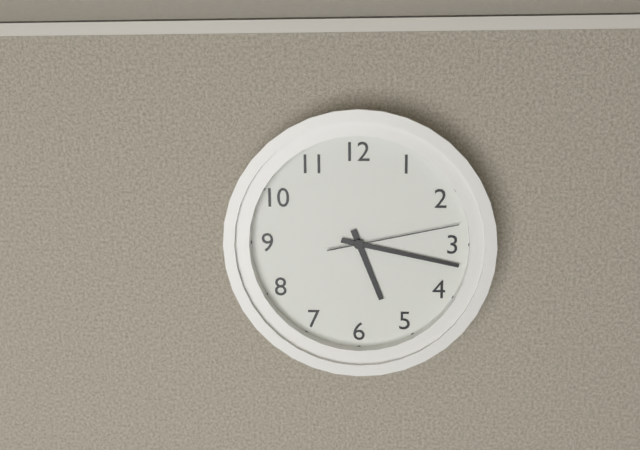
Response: 5:17:13
